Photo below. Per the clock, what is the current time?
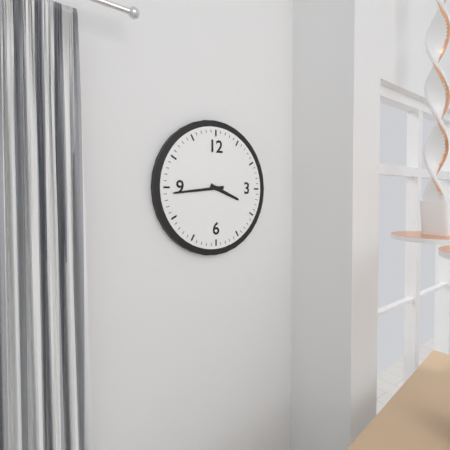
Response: 3:44
